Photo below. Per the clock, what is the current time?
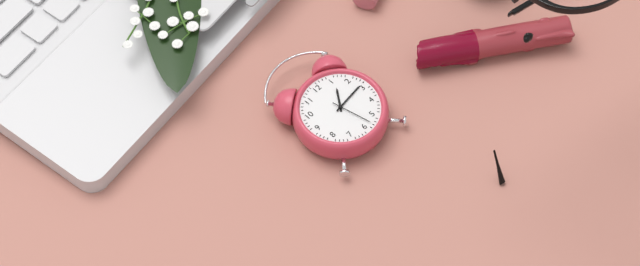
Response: 1:14
